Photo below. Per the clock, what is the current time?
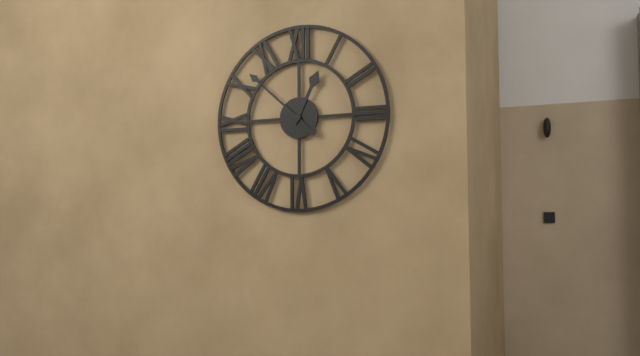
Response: 12:52
